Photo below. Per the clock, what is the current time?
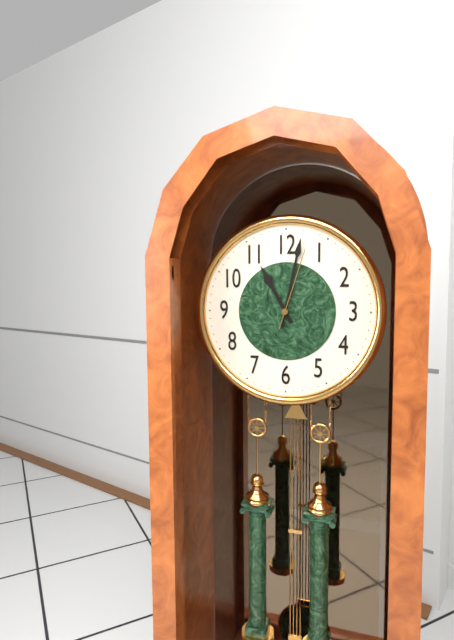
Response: 11:02:03
